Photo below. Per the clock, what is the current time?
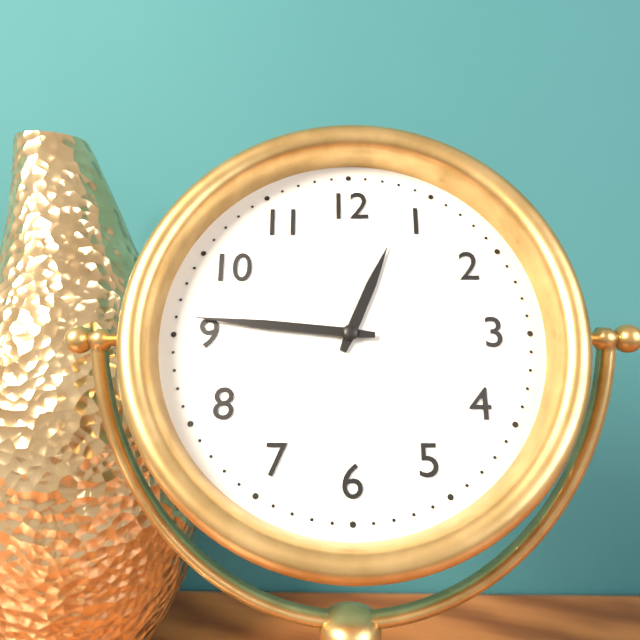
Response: 12:46
